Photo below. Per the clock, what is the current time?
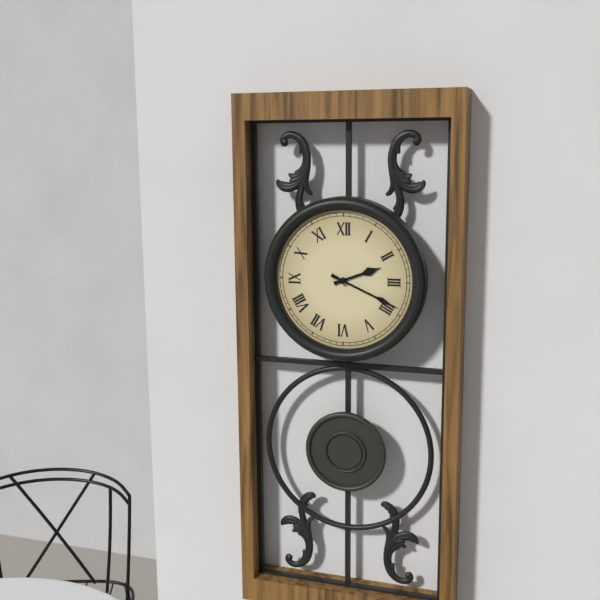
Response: 2:19
